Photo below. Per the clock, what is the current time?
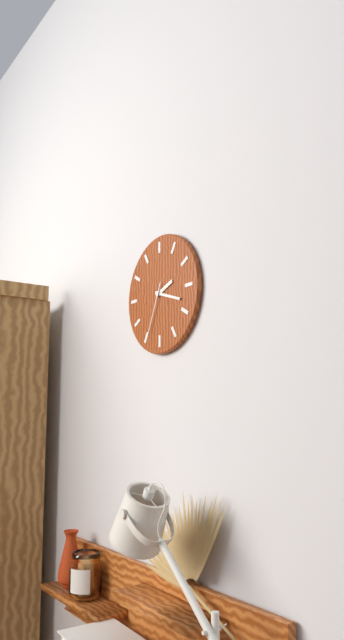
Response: 2:18:34
